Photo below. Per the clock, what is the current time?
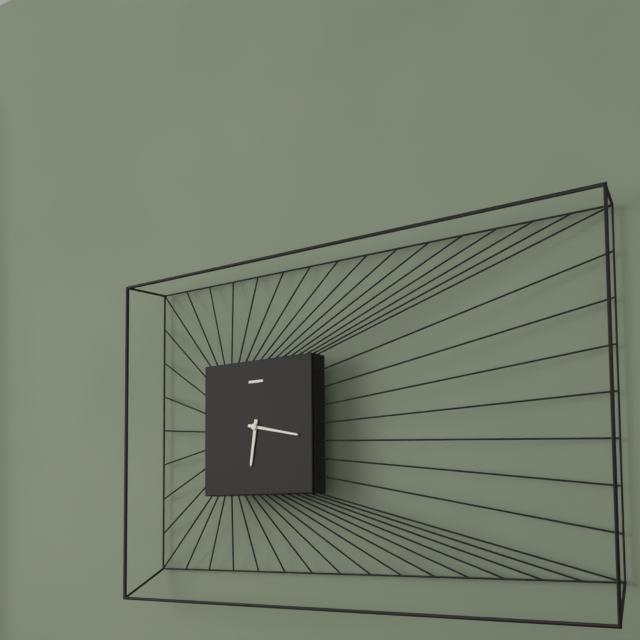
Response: 6:17
